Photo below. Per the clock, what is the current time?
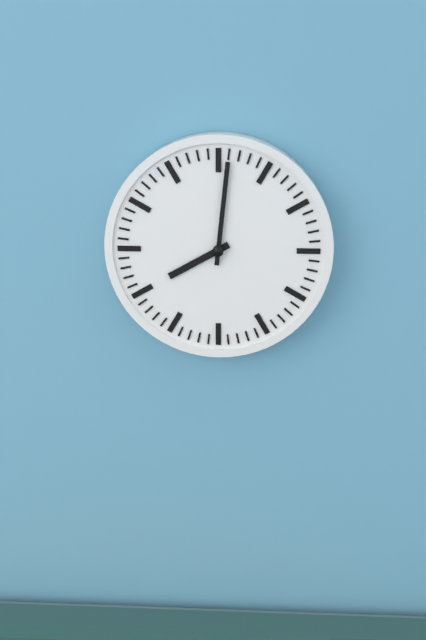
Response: 8:01
